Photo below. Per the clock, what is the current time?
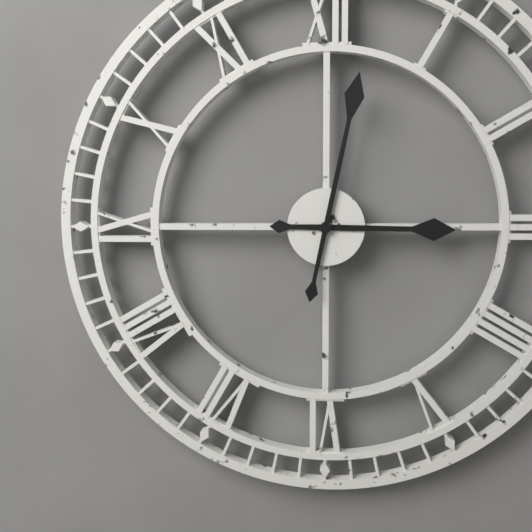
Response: 3:02
